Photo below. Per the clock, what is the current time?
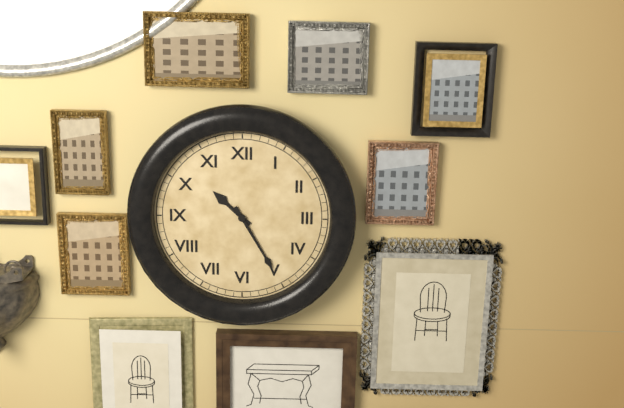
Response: 10:25
